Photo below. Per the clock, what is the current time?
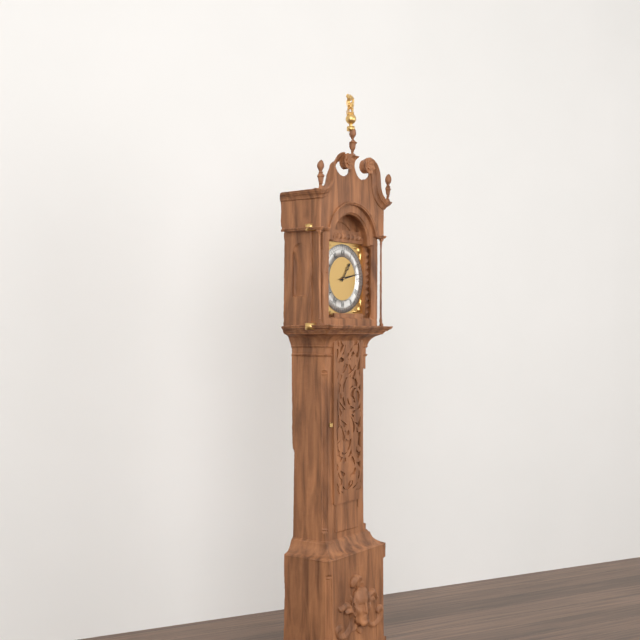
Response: 1:13
